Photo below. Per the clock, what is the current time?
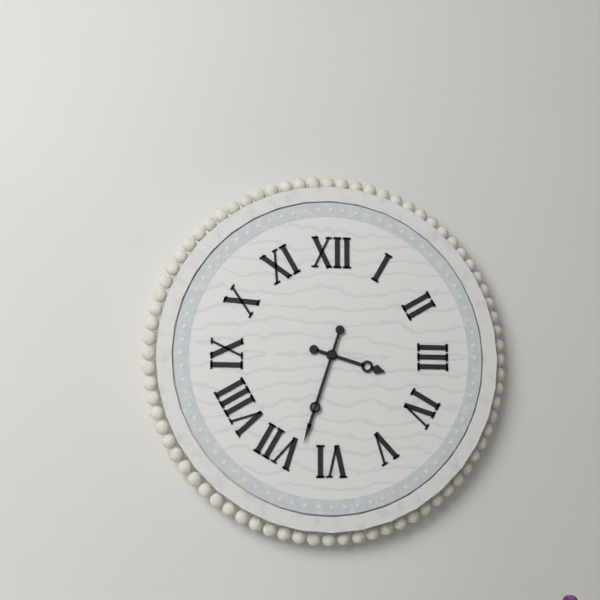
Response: 3:33
